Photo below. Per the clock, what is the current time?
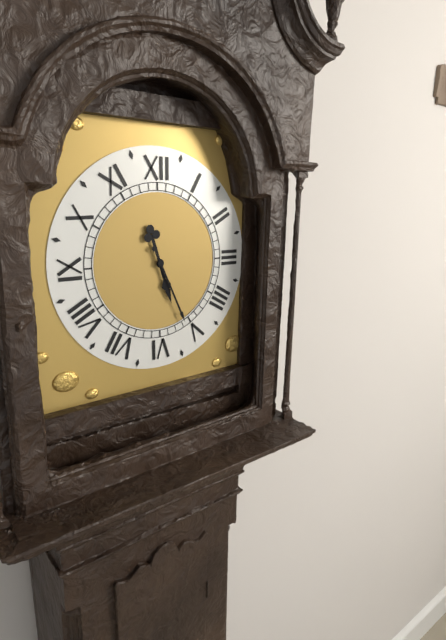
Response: 5:26
